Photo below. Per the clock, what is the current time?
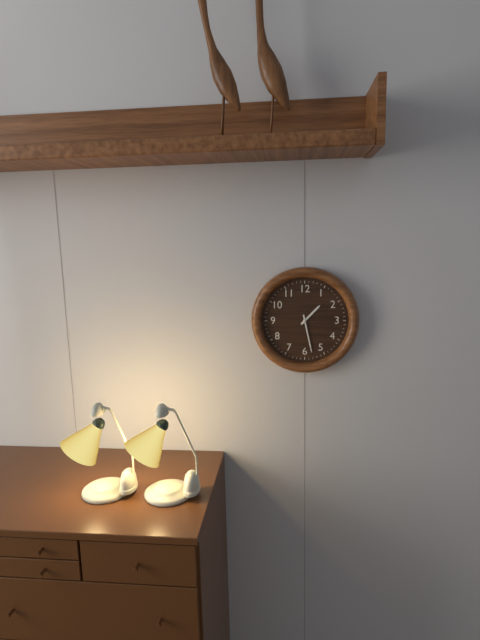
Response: 1:28
